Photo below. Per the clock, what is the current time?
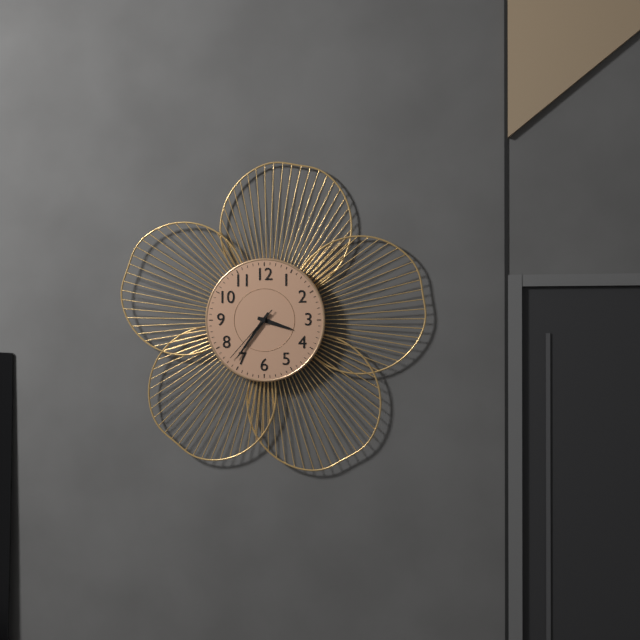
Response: 3:36:37
